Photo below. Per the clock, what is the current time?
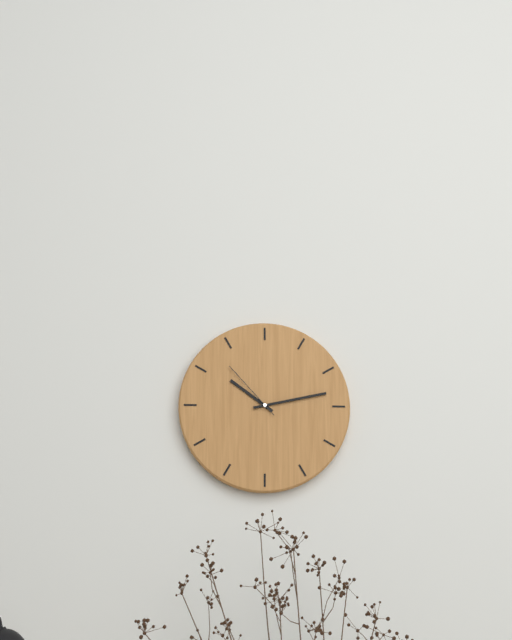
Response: 10:13:53
